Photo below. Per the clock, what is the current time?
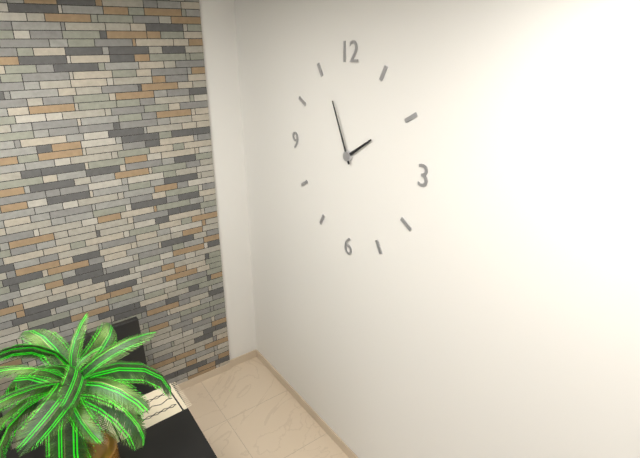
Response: 1:56
